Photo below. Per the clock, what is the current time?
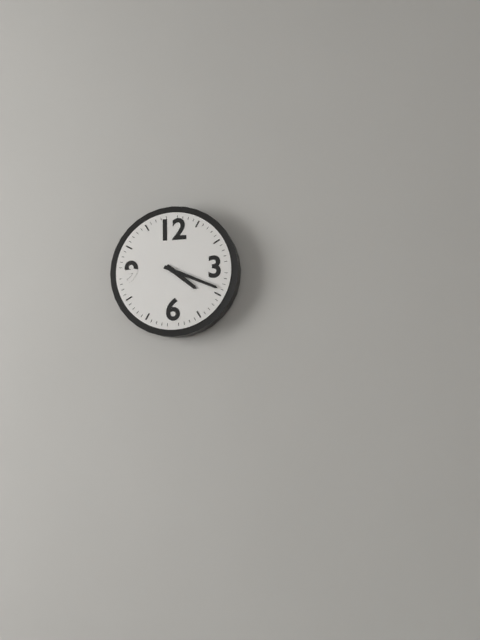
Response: 4:19
